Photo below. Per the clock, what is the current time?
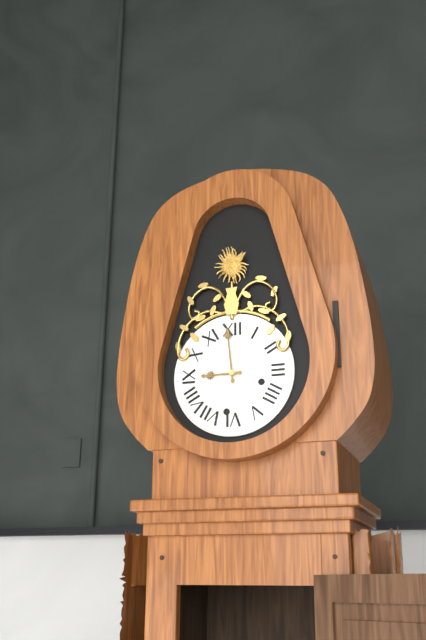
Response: 8:59
